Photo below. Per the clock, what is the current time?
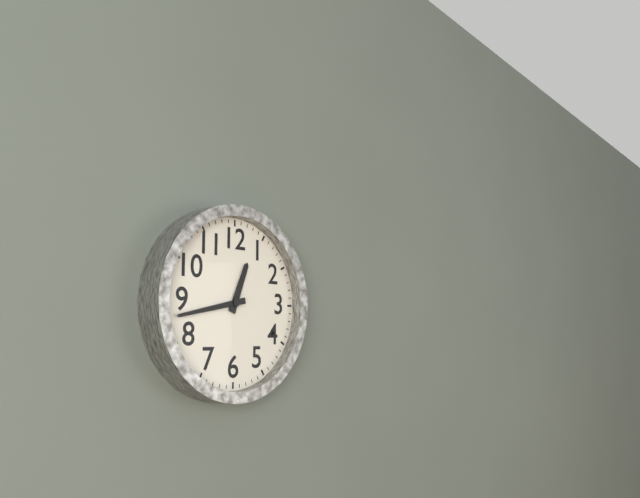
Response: 12:43
